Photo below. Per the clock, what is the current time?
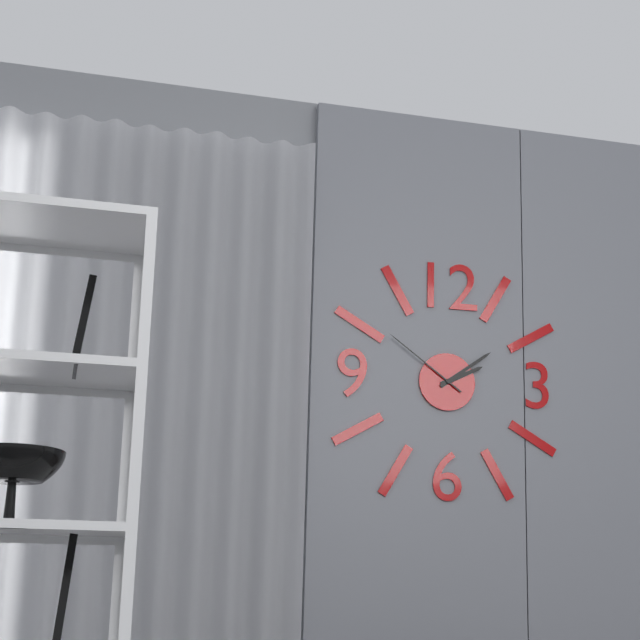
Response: 2:09:51
